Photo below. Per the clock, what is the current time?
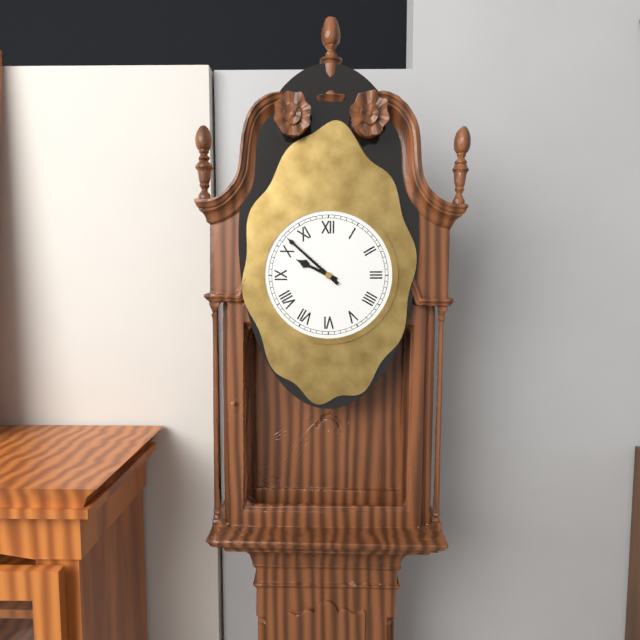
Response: 9:52
